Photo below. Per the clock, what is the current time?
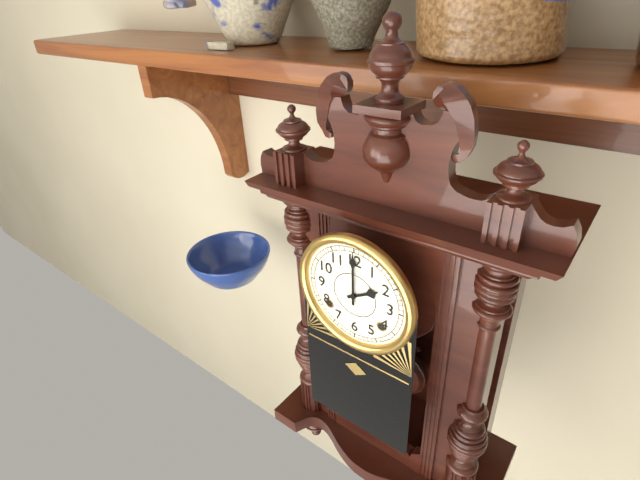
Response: 2:00
